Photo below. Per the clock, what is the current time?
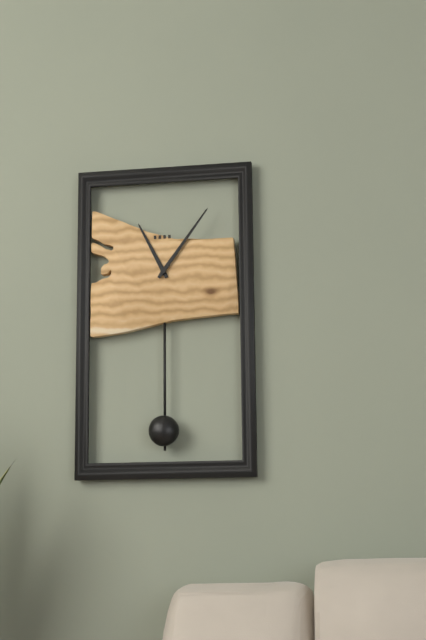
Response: 11:06
